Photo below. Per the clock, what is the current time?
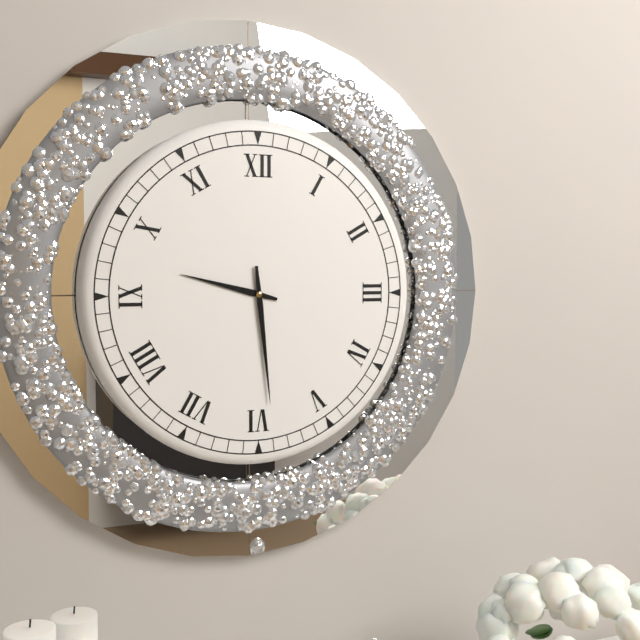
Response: 9:29
